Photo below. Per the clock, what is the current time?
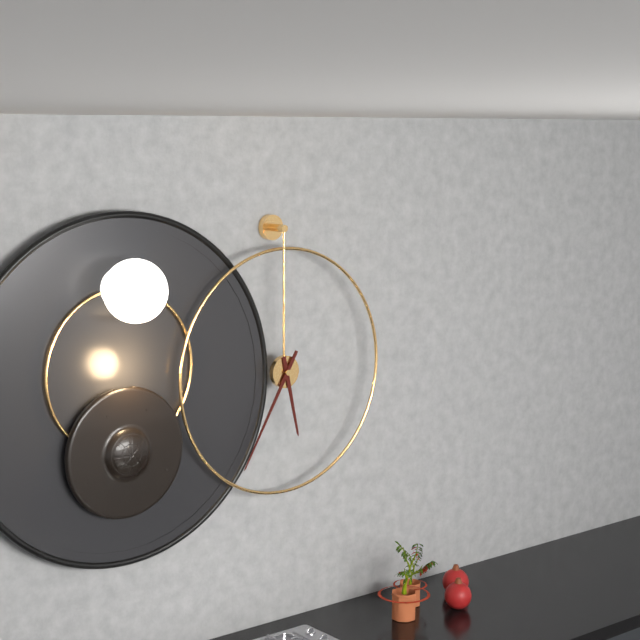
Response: 5:35
